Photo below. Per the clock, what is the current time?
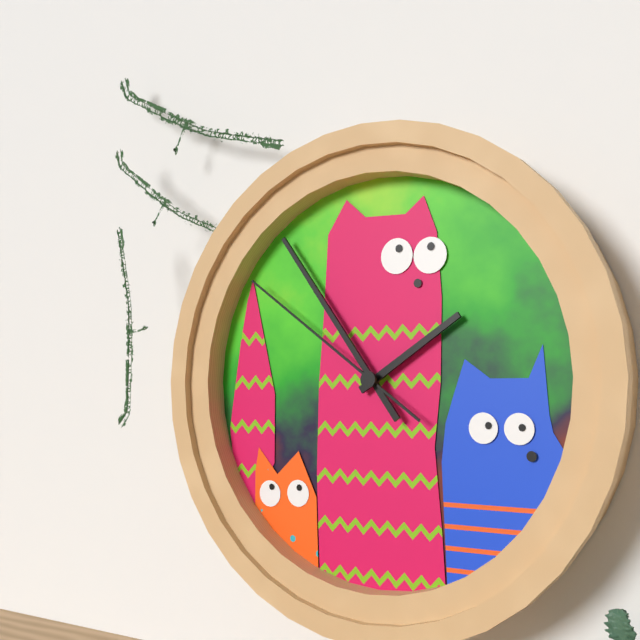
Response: 1:54:51
